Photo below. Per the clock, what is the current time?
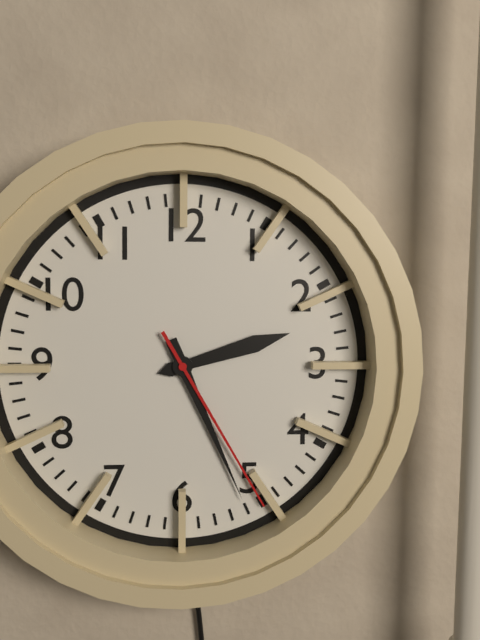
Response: 2:26:25
